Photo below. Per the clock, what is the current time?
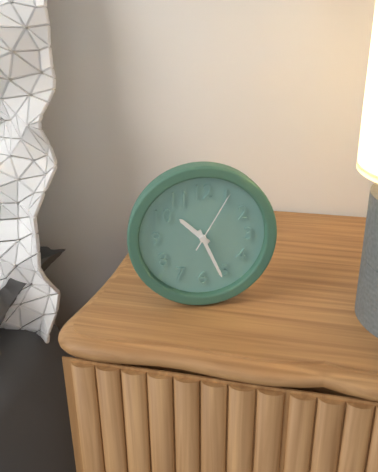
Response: 10:26:05
